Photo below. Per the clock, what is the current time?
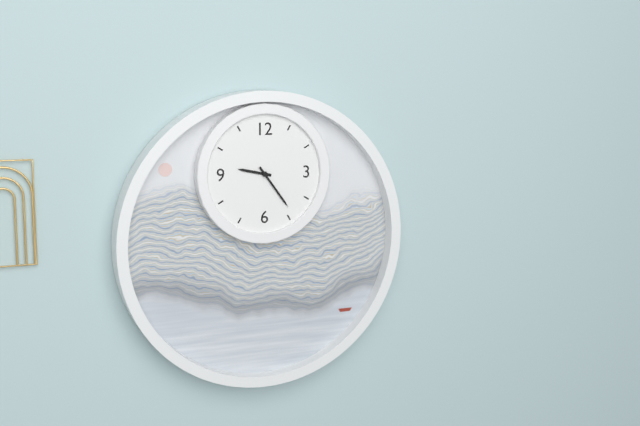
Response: 9:24
